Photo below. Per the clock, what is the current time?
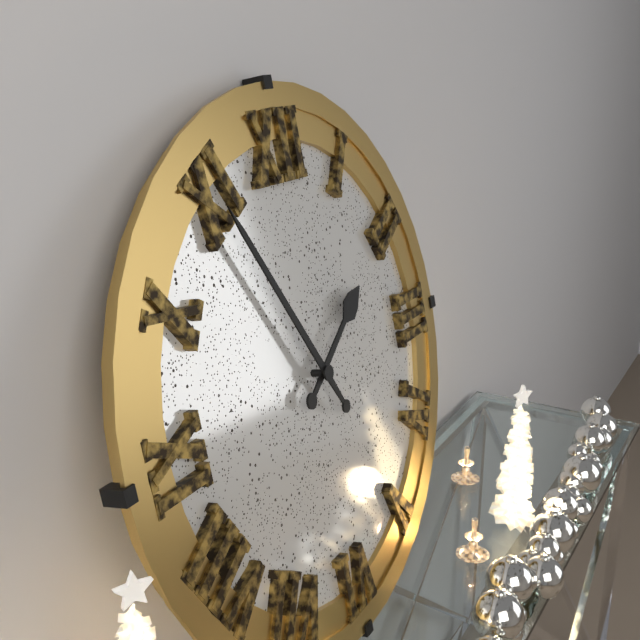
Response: 1:55
